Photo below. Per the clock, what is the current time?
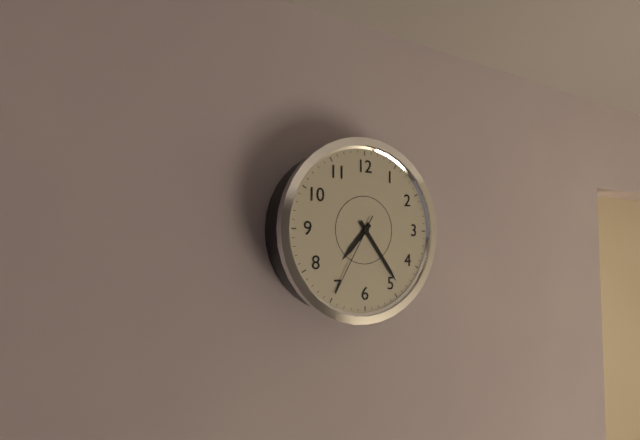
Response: 7:24:35
